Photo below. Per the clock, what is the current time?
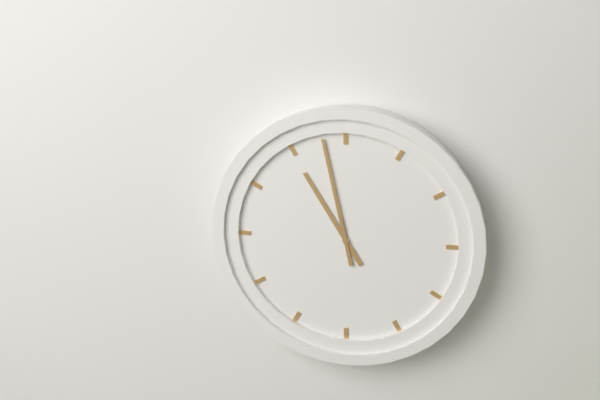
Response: 10:58
